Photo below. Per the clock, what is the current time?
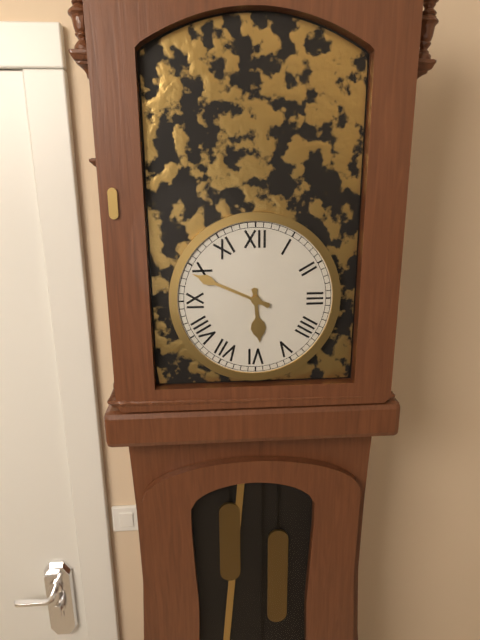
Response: 5:49
